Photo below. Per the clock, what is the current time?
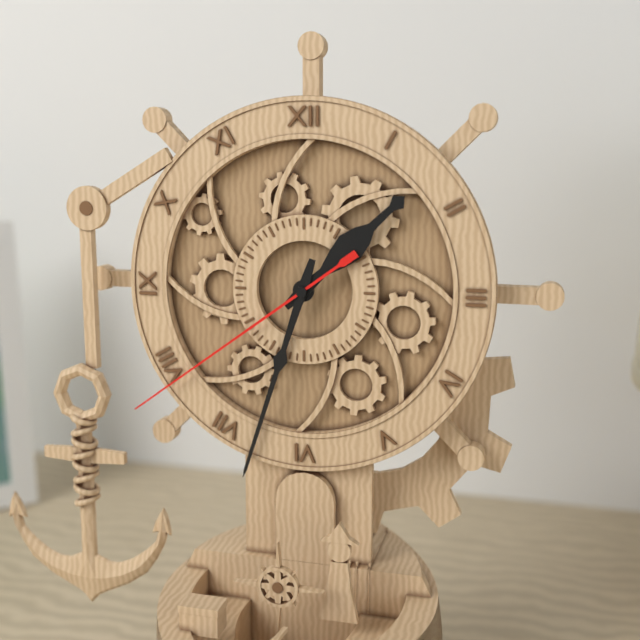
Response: 1:33:39
